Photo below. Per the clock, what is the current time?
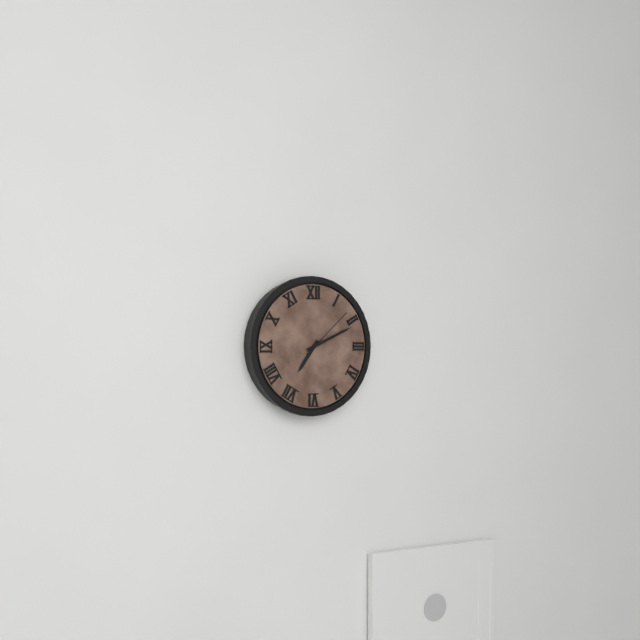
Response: 7:11:08
